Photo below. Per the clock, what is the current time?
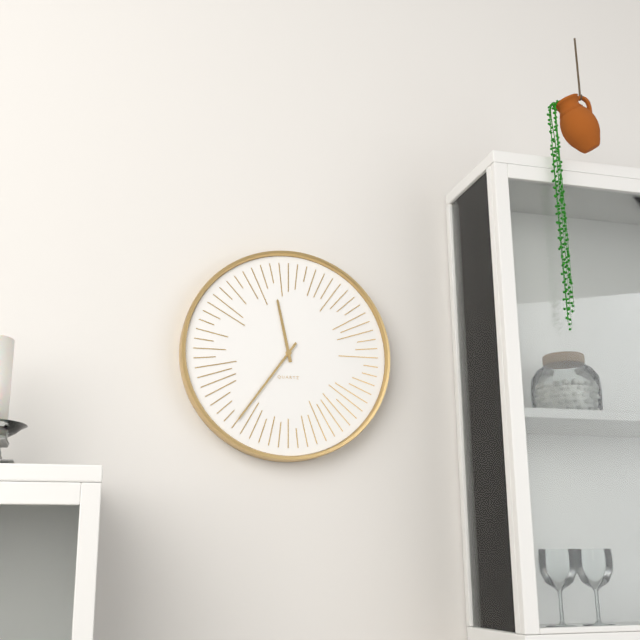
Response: 11:36
